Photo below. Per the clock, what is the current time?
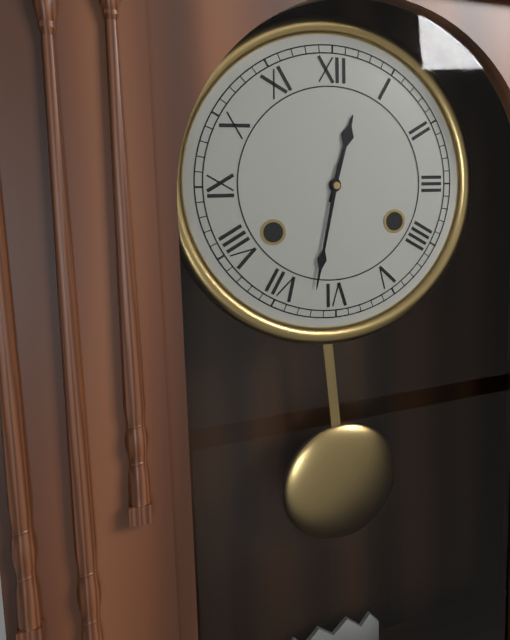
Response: 12:32
